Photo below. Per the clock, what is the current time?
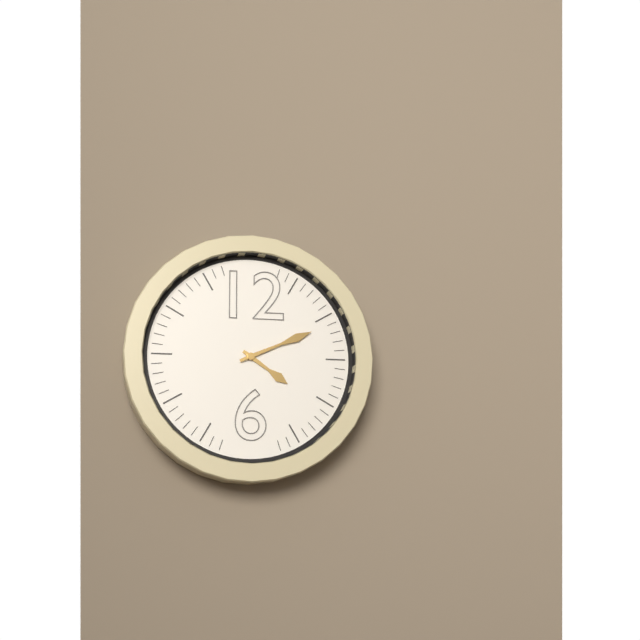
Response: 4:11
